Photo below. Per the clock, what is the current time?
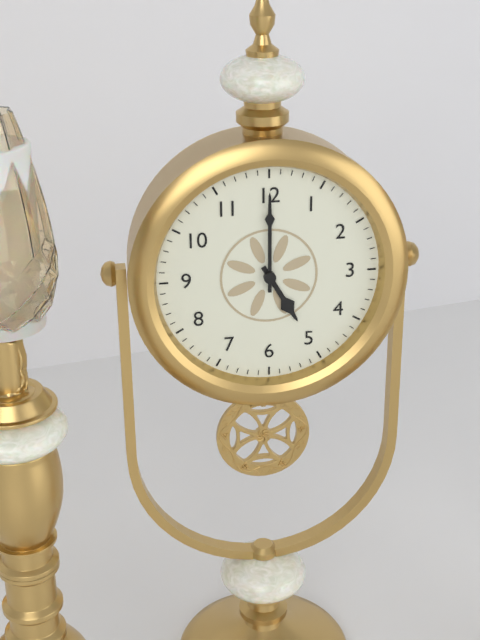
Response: 5:00
